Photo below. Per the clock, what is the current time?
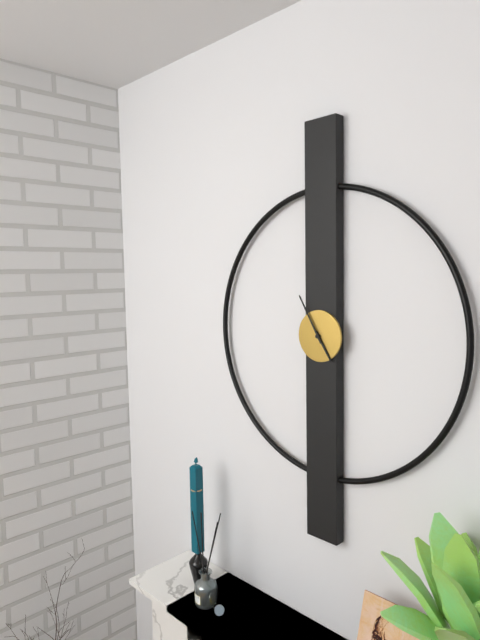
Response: 4:55
